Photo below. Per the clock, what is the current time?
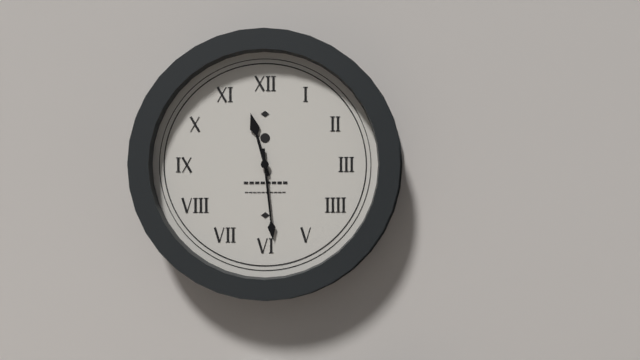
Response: 11:29
